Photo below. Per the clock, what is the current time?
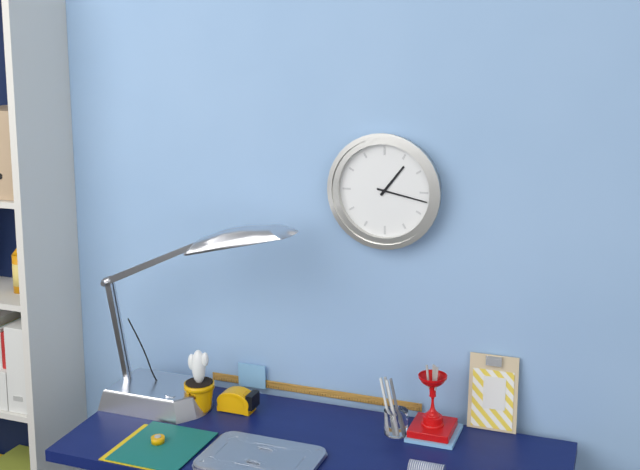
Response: 1:17
